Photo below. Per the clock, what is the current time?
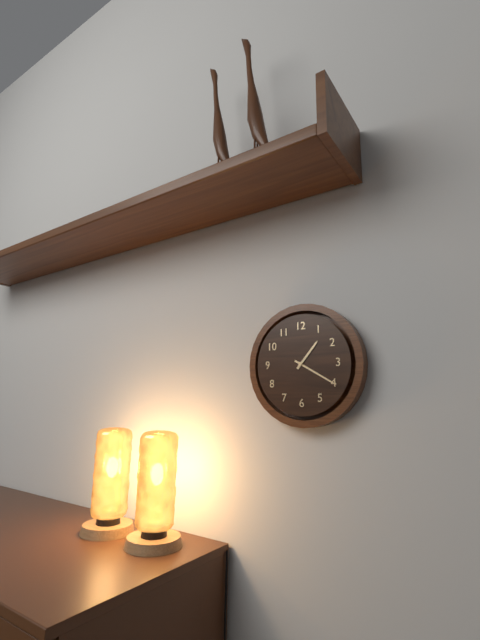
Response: 1:20
